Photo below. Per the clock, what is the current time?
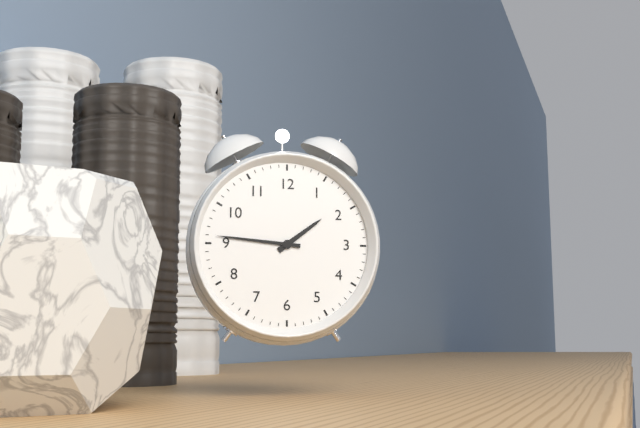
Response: 1:46
